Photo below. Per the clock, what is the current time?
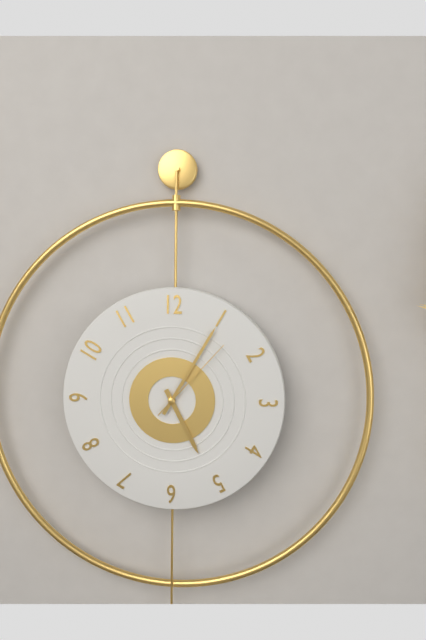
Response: 5:05:07
